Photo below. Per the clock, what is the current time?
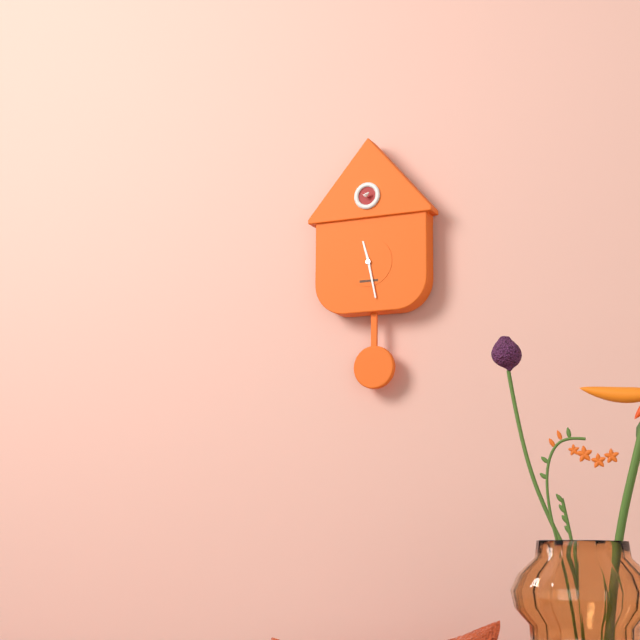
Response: 11:28
